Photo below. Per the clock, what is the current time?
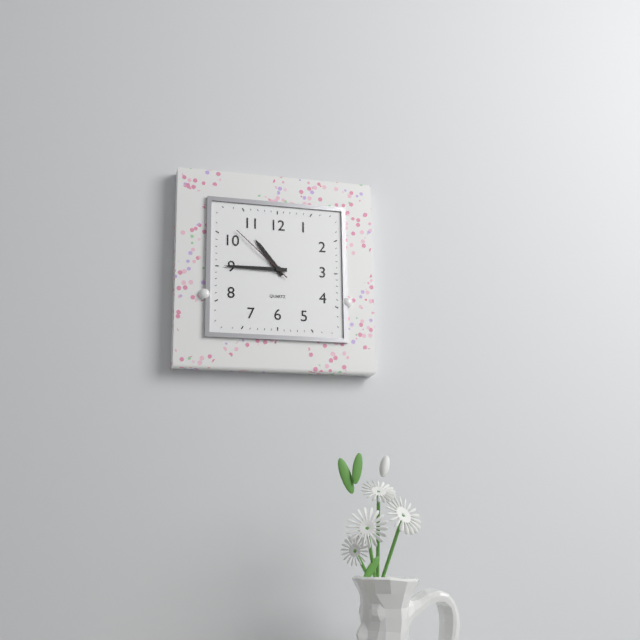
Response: 10:45:52
